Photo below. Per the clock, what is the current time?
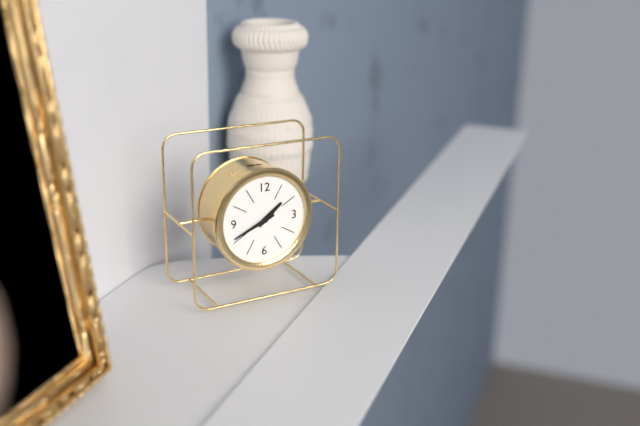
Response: 1:41
